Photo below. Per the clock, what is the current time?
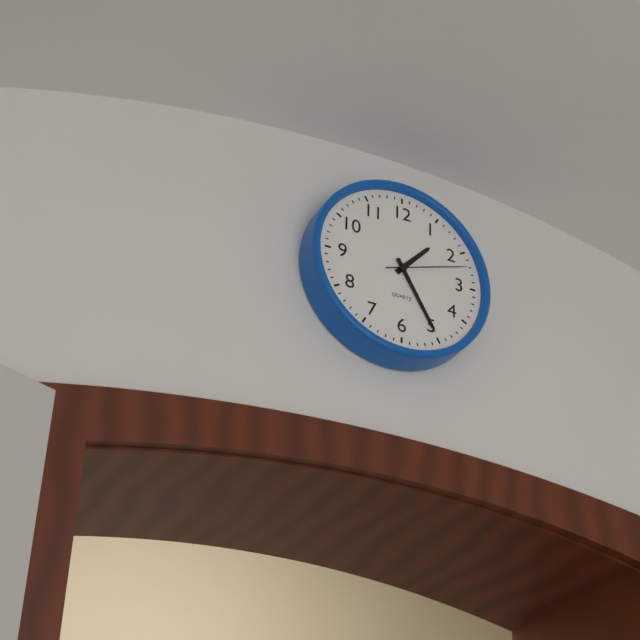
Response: 1:25:12
